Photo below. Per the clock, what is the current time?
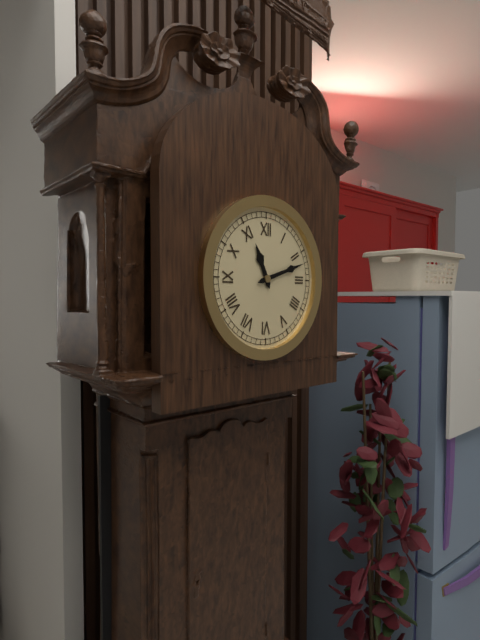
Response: 11:12
